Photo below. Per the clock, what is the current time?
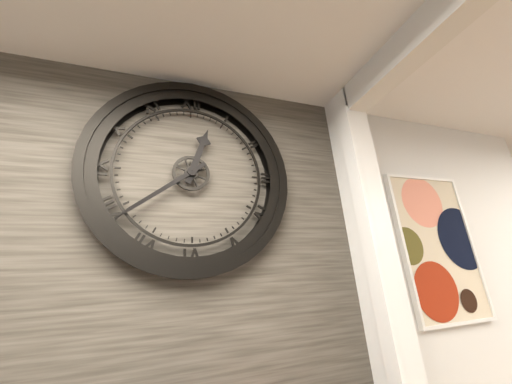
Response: 12:39
